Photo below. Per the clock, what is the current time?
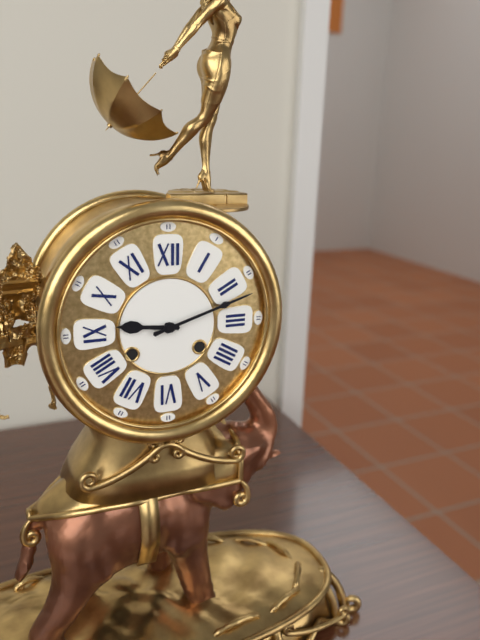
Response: 9:12
